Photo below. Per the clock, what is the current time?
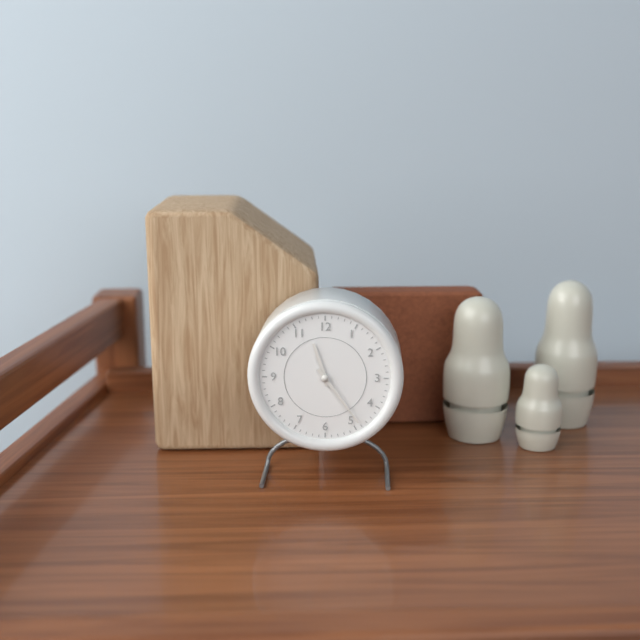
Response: 11:24
